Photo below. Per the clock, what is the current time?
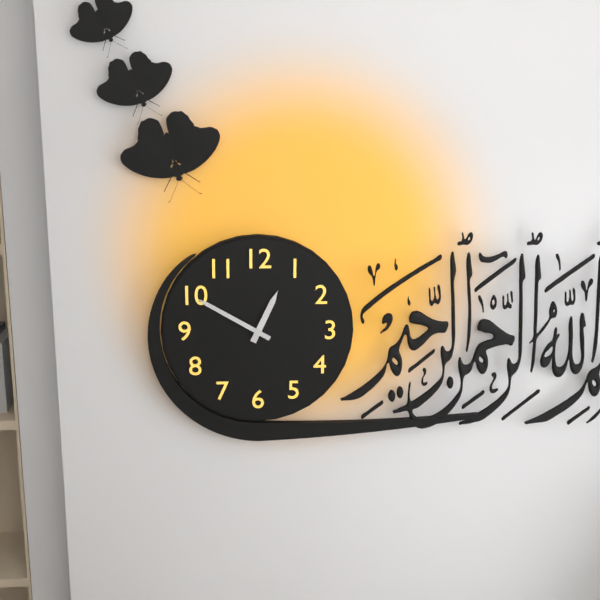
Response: 12:50
